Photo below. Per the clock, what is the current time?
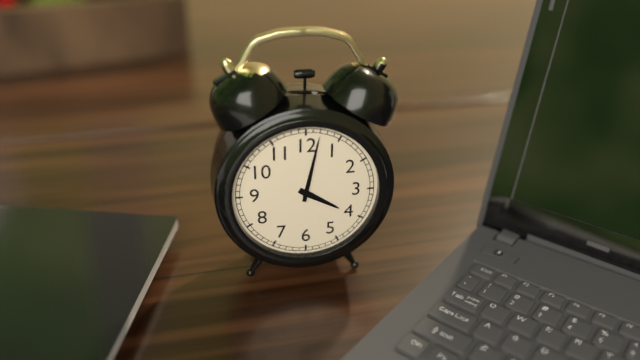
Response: 4:02
